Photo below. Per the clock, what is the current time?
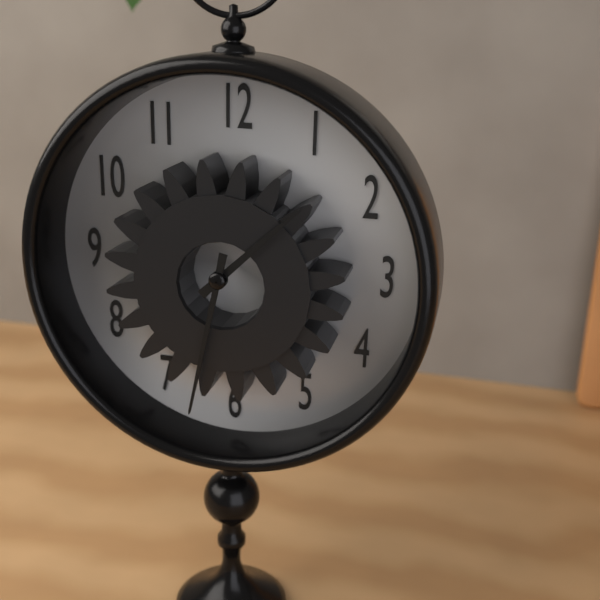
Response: 1:32
